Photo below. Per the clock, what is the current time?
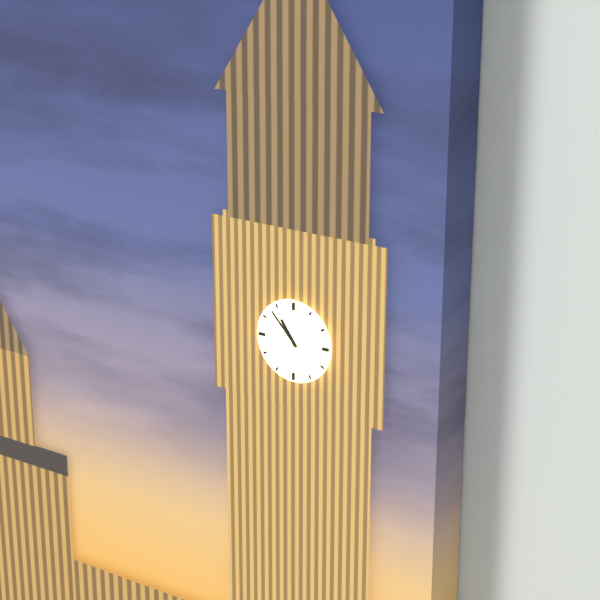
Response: 10:53
